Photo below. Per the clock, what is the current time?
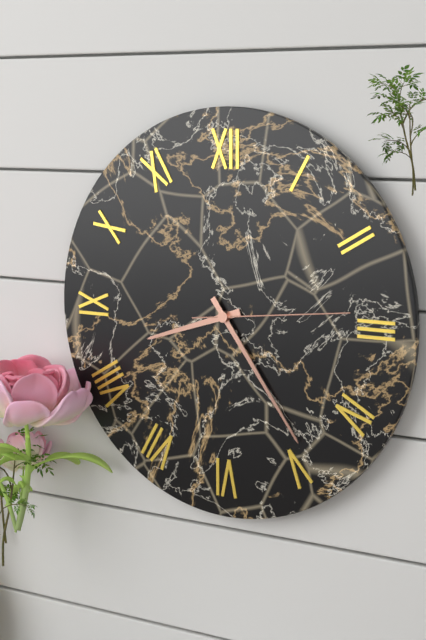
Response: 8:24:14
